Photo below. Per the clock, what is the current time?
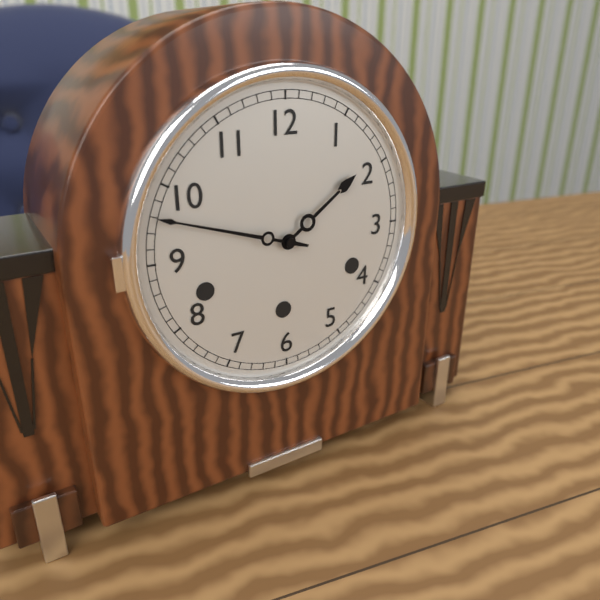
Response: 1:48
